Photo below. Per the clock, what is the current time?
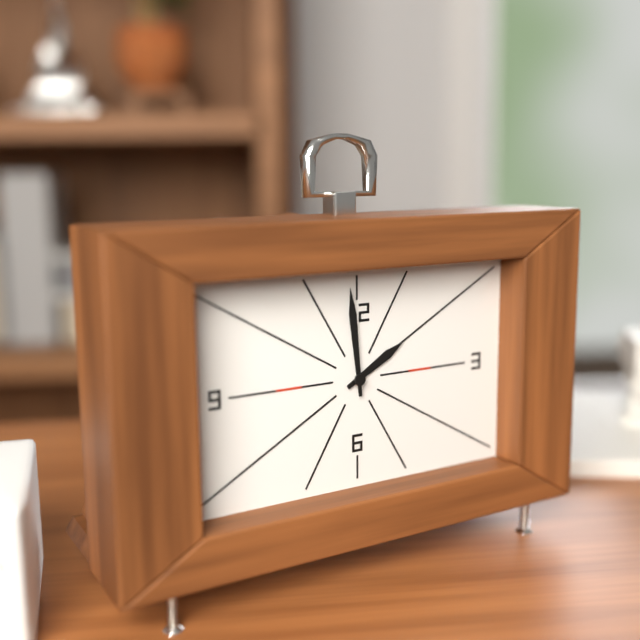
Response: 1:59
